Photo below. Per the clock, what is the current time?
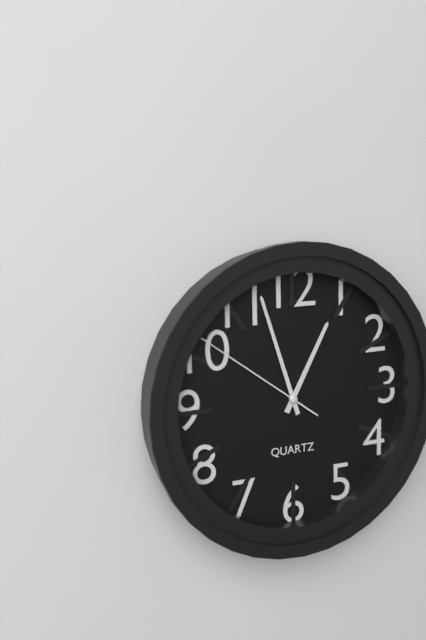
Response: 12:57:51
